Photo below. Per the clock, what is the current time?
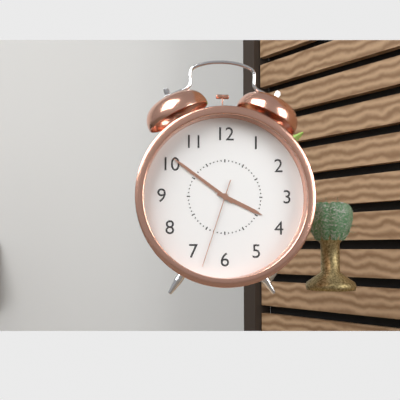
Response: 3:51:33
